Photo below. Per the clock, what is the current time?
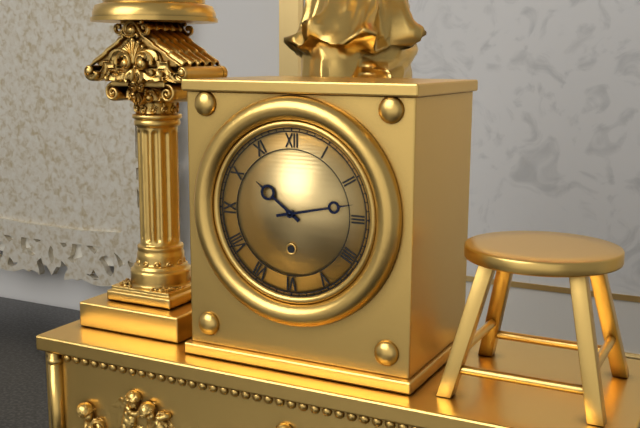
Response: 10:13
